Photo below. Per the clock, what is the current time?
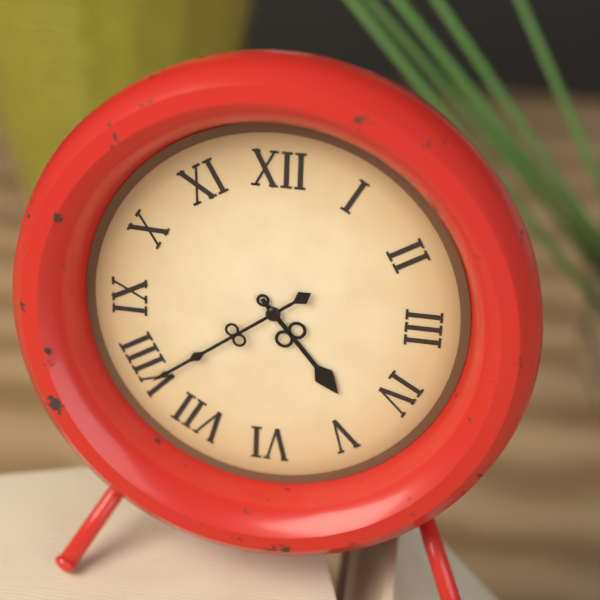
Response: 4:39
